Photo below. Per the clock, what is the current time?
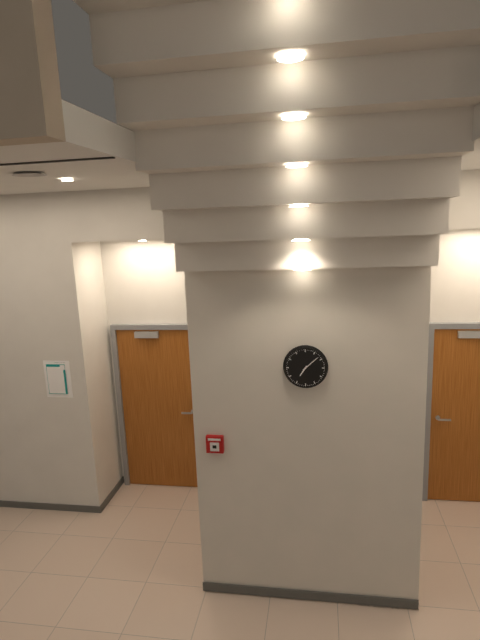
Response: 7:08
